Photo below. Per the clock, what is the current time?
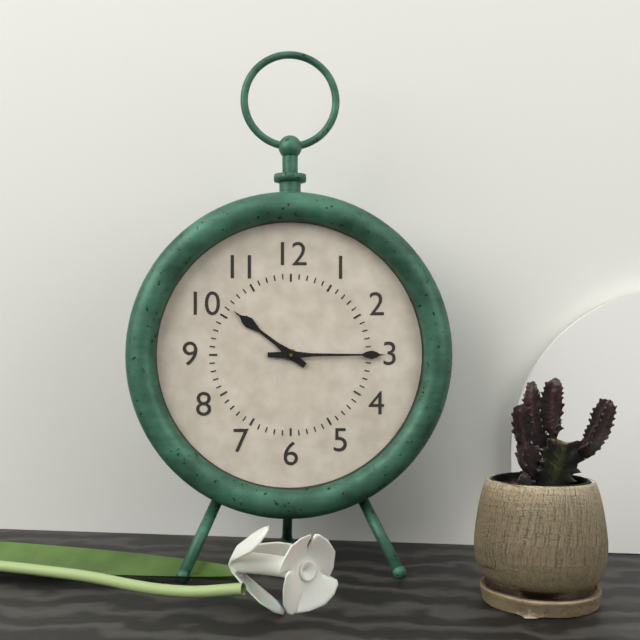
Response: 10:15
